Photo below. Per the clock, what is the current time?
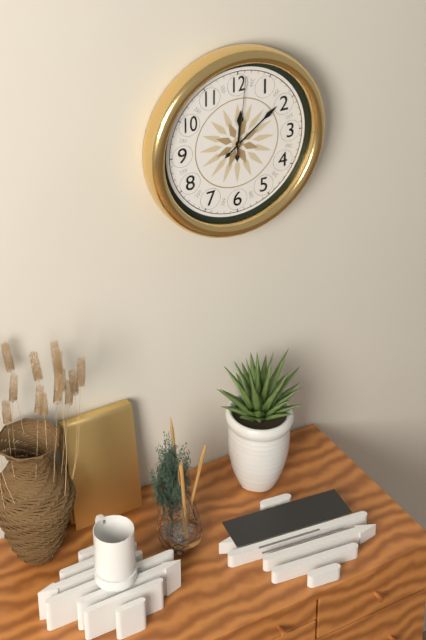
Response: 12:09:01
